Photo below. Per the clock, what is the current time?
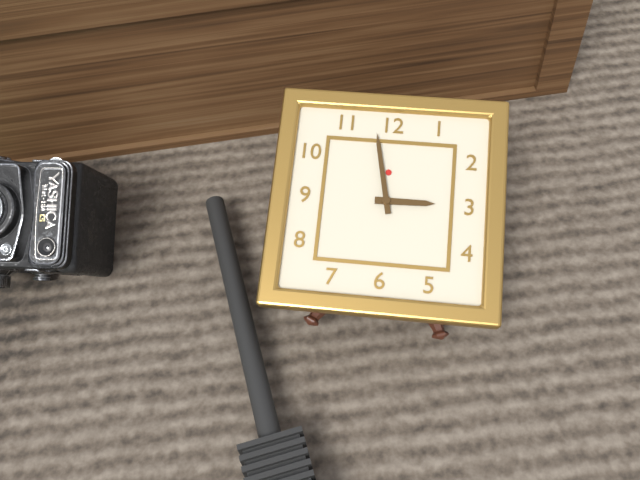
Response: 2:58
